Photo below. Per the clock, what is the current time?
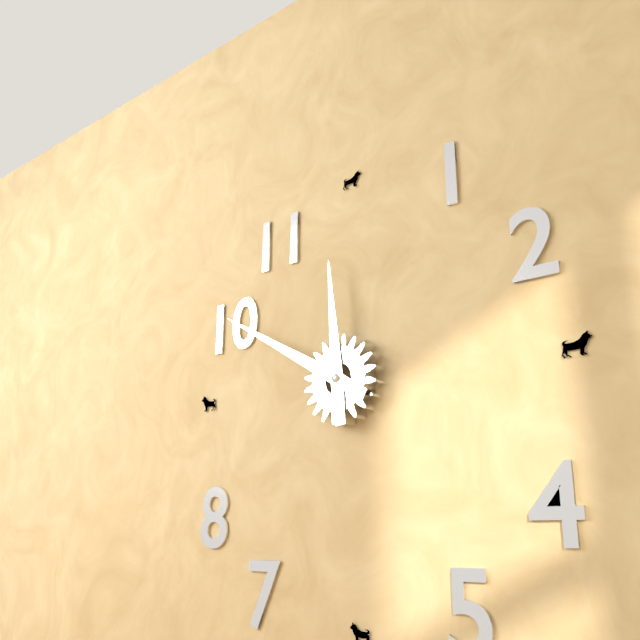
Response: 11:50
